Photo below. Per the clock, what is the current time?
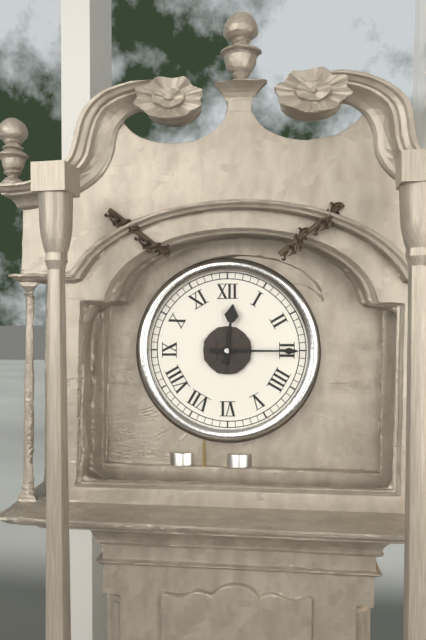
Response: 12:15
